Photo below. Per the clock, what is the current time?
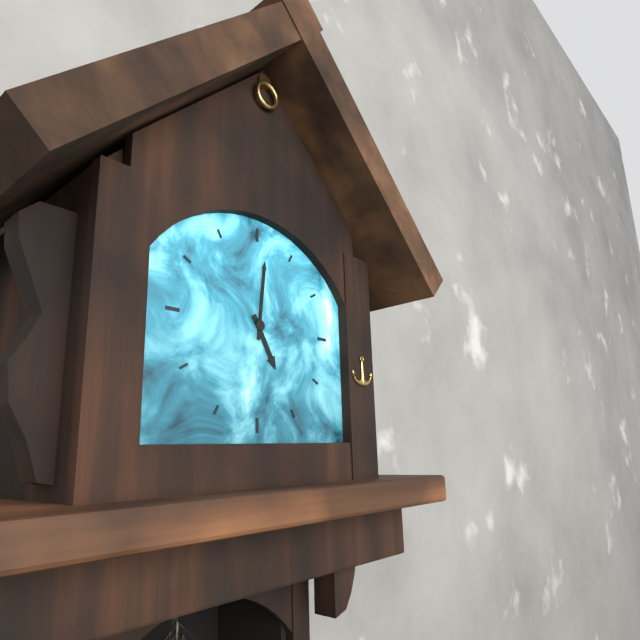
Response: 5:01
